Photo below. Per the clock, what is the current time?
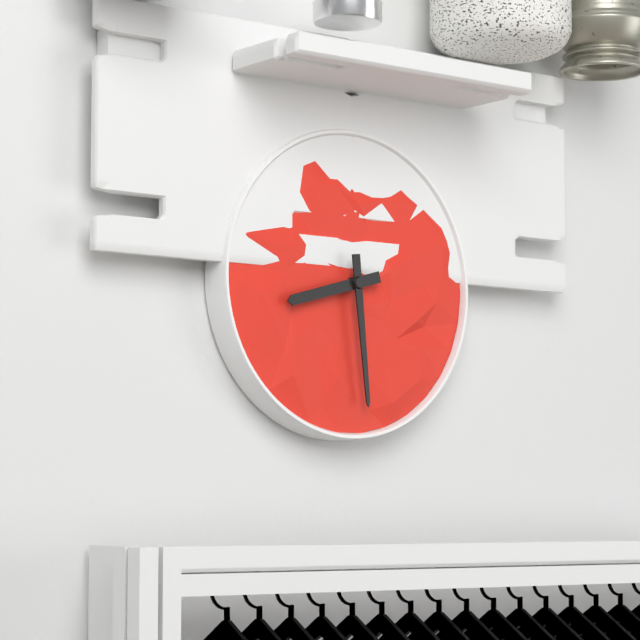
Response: 8:29
